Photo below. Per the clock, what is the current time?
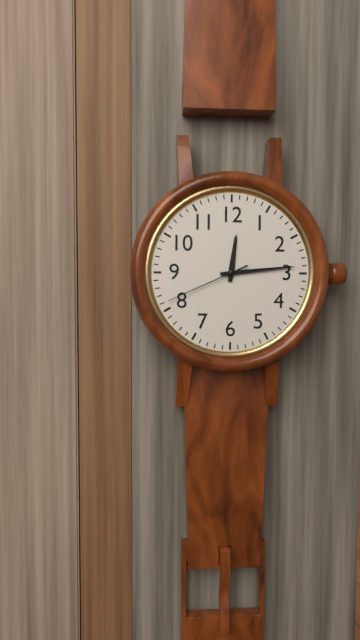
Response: 12:14:41
